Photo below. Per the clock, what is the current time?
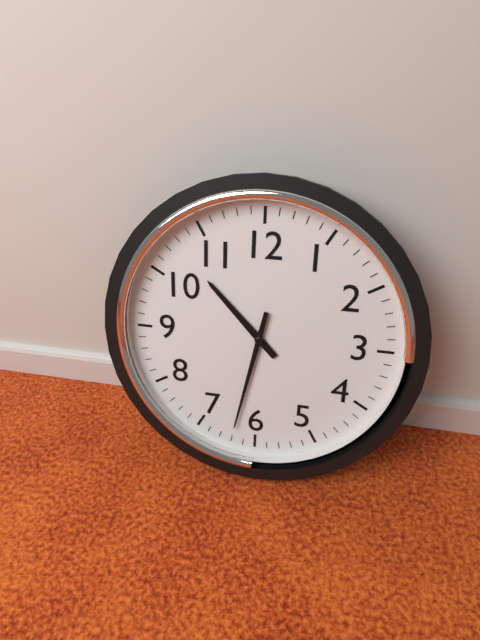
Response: 10:32
